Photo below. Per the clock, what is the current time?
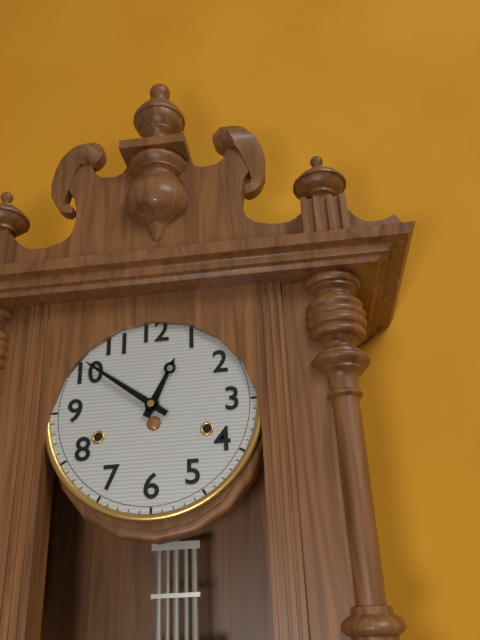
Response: 12:51
